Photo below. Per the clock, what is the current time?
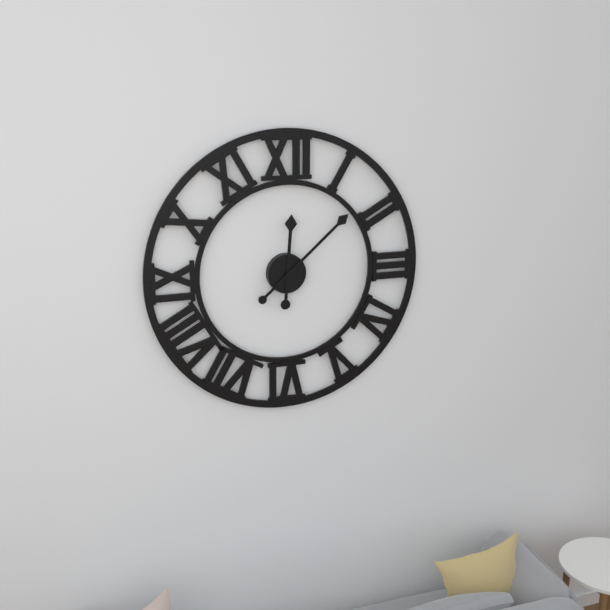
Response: 12:08
